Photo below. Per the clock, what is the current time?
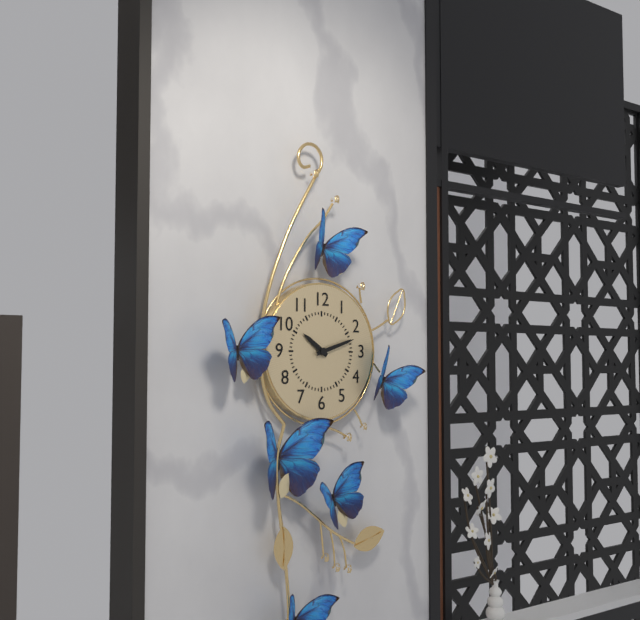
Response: 10:12
